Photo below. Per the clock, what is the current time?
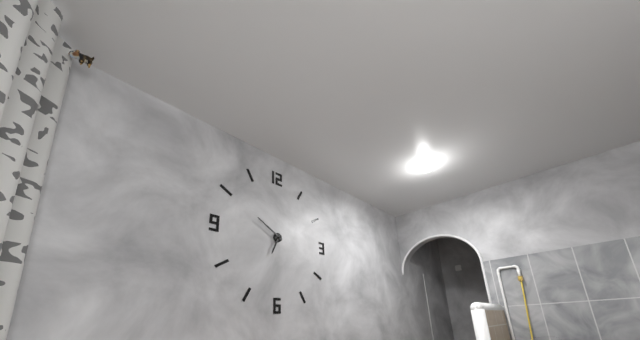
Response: 6:50
